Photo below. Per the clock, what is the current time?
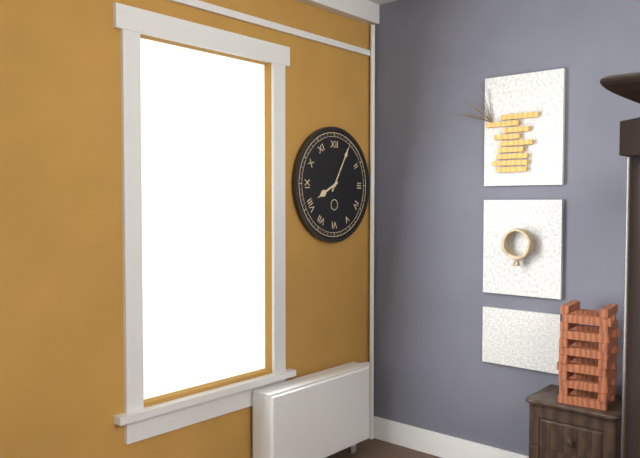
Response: 8:05
